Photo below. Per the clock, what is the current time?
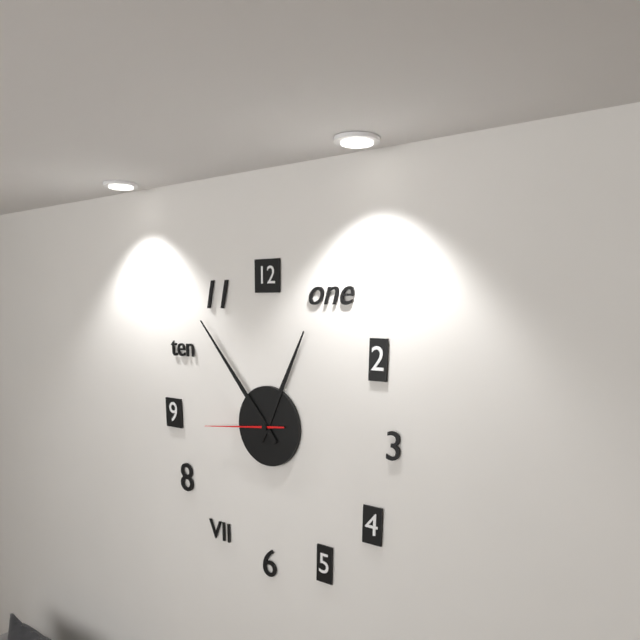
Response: 12:53:44
